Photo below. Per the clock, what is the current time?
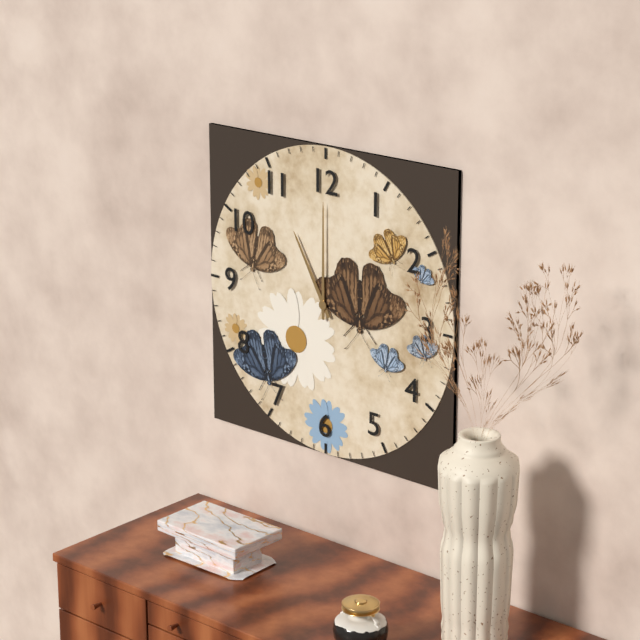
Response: 11:00
